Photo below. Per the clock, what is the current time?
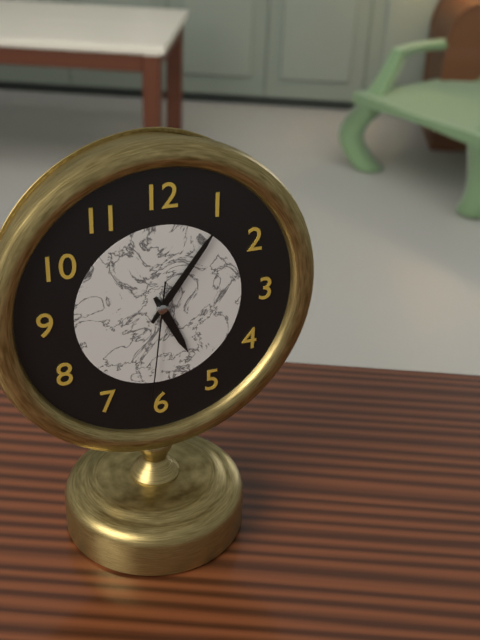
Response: 5:06:31
